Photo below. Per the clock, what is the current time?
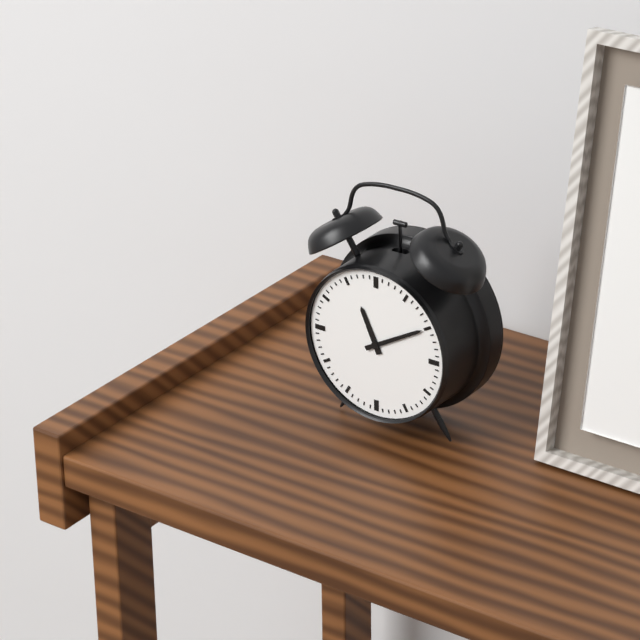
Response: 11:10
